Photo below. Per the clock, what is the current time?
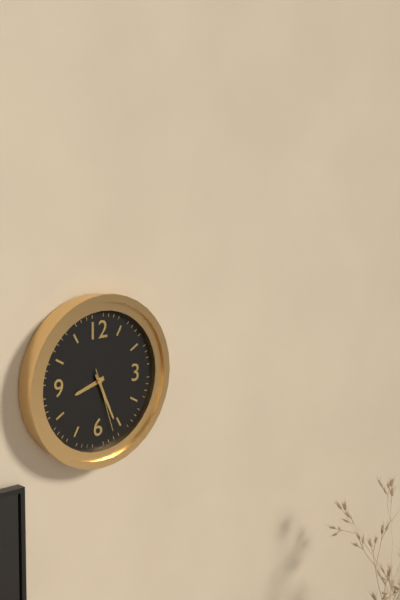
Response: 8:26:27
